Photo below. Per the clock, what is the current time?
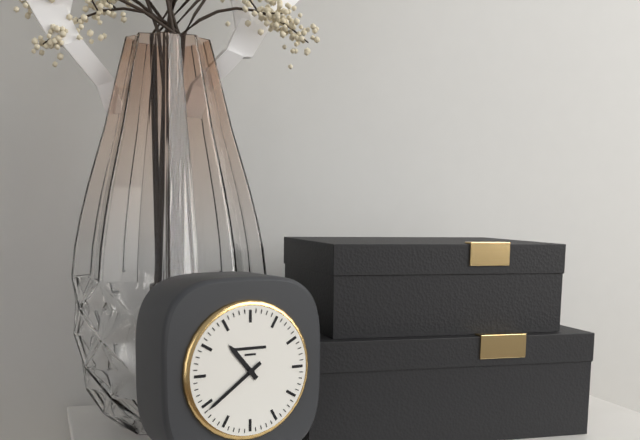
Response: 10:39
